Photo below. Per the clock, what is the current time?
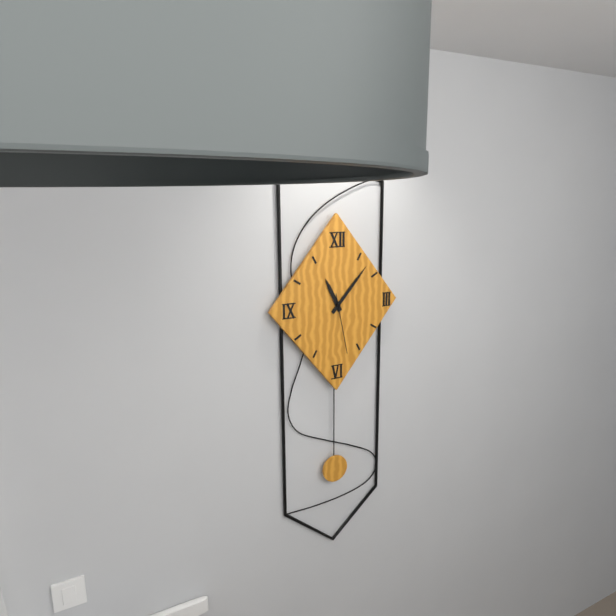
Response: 11:07:28
